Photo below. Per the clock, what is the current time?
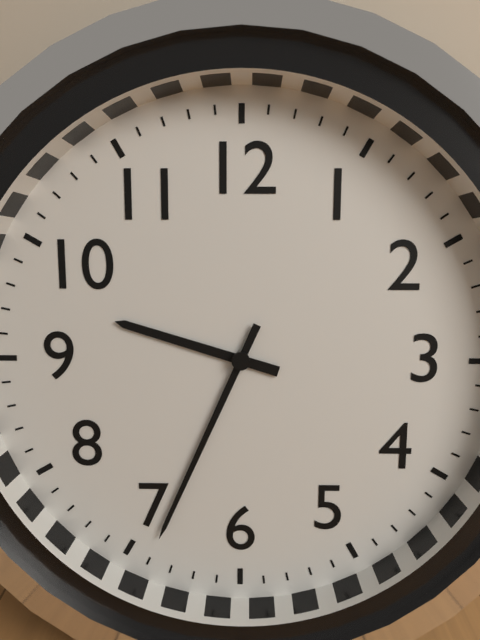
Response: 9:34
